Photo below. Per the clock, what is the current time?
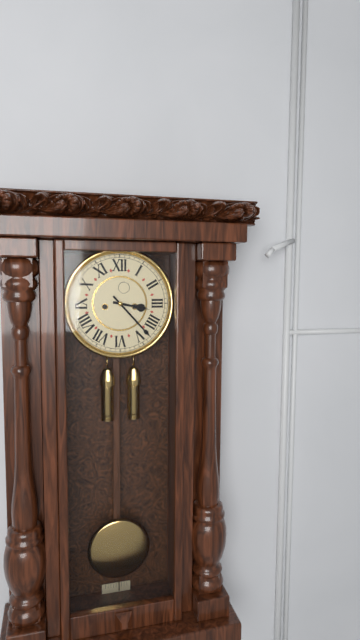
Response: 3:23
